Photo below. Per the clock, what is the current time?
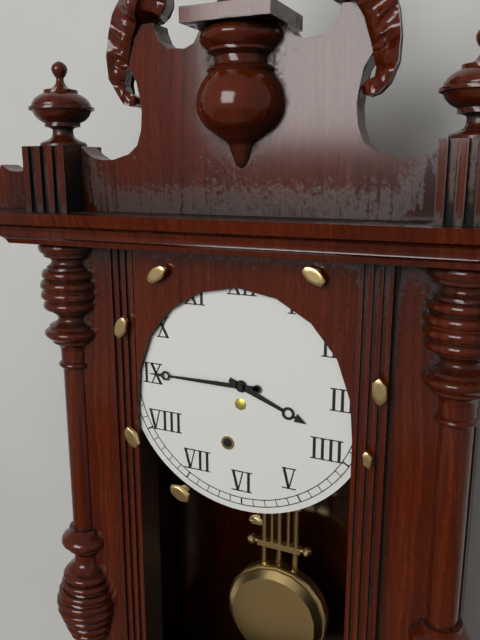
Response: 3:45
